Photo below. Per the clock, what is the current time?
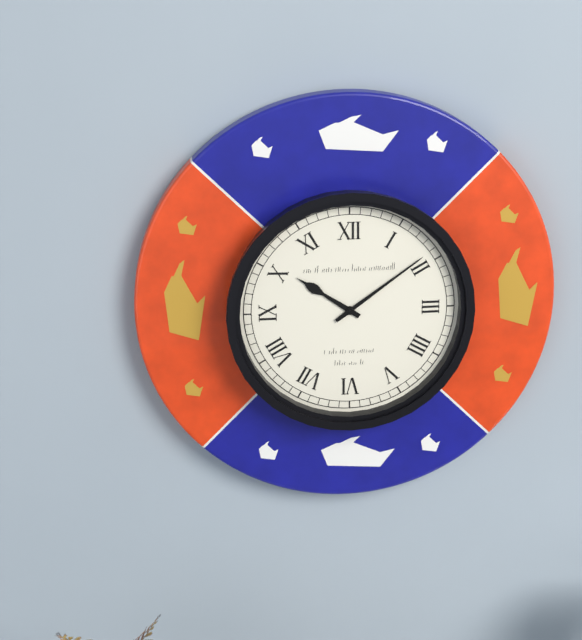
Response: 10:09
